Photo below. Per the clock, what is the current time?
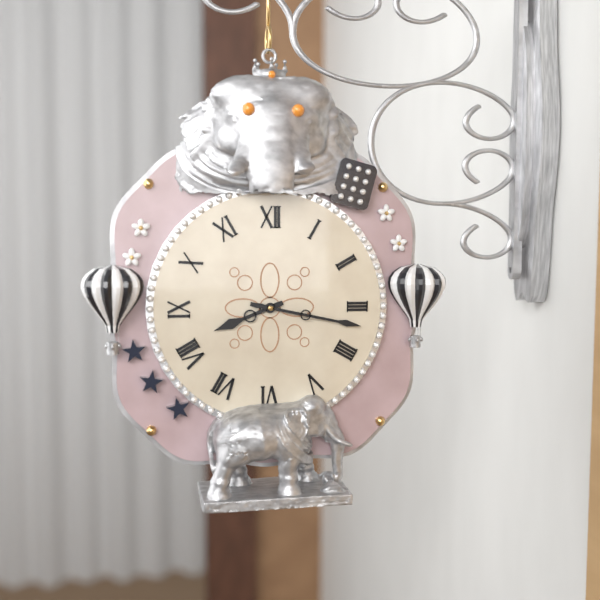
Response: 8:17
